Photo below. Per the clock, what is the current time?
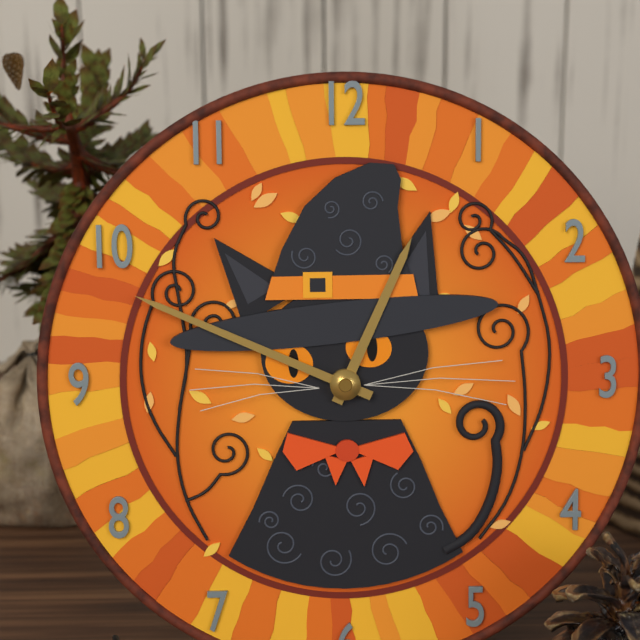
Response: 12:49
